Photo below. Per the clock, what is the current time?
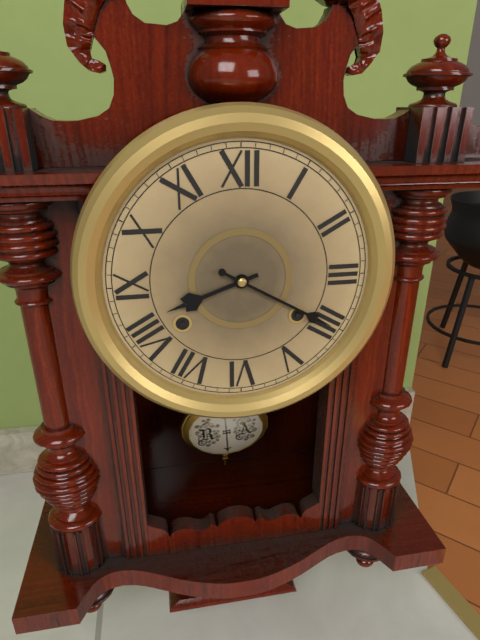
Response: 8:20
